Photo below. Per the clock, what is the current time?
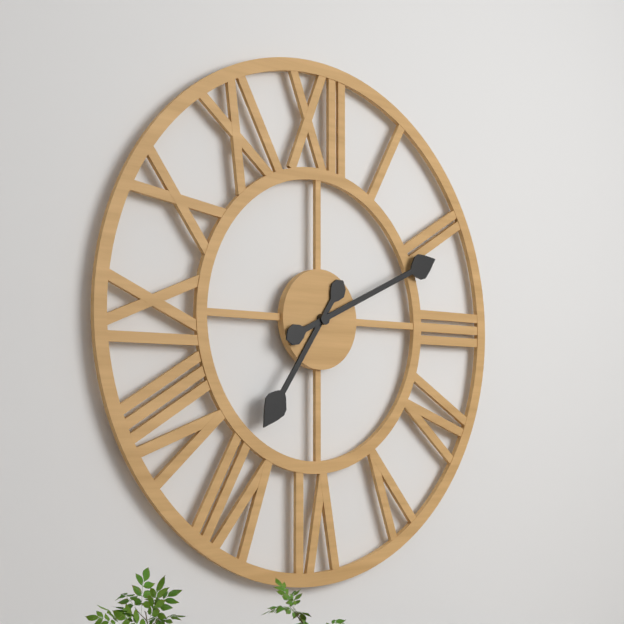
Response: 7:11
